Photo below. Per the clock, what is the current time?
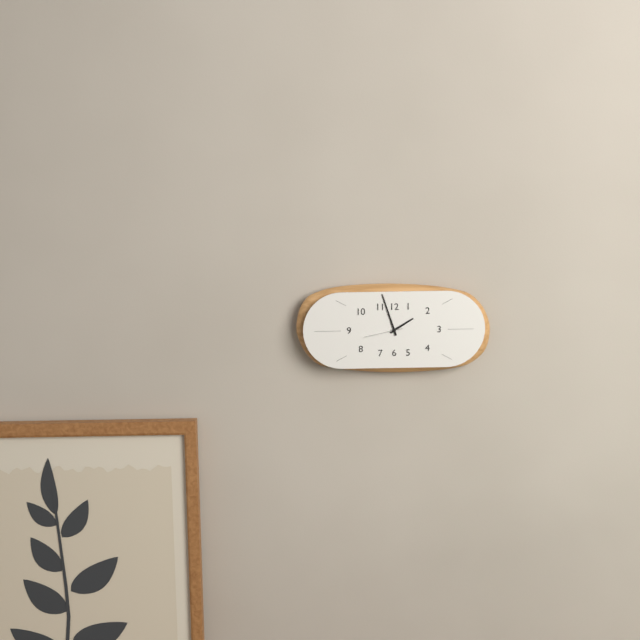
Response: 1:57
